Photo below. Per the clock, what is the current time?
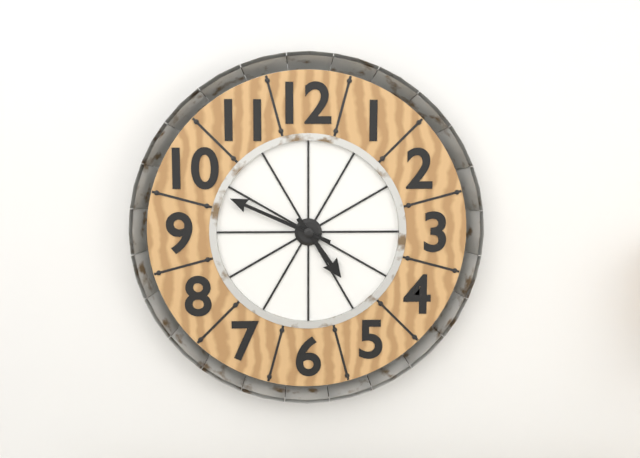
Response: 4:49
